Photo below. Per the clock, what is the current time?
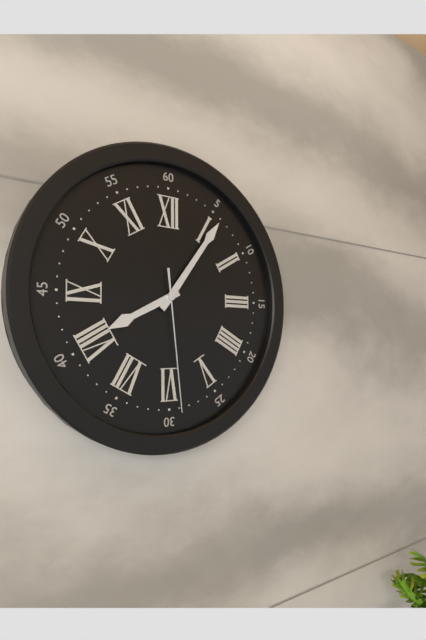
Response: 8:06:29
